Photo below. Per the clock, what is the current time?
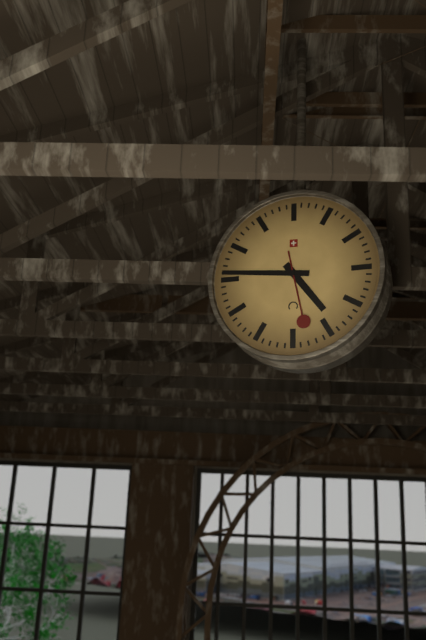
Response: 4:46:28
